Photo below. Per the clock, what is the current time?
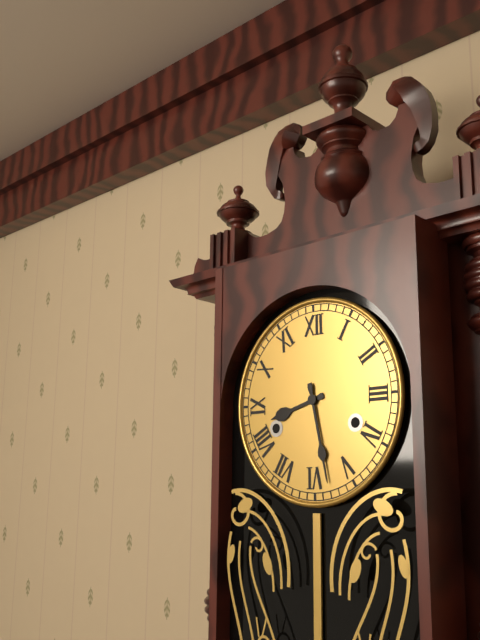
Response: 8:28
